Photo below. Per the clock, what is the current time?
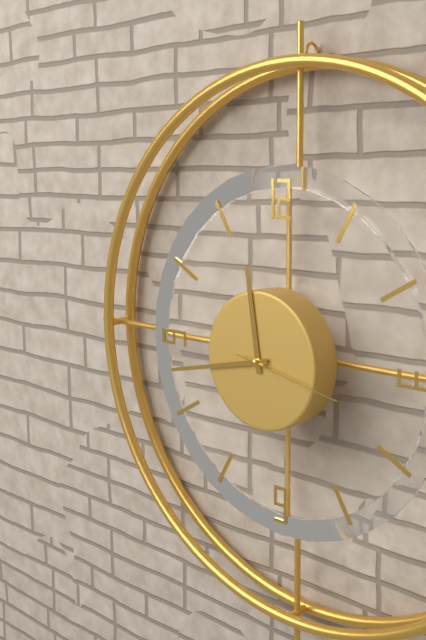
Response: 11:43:17
